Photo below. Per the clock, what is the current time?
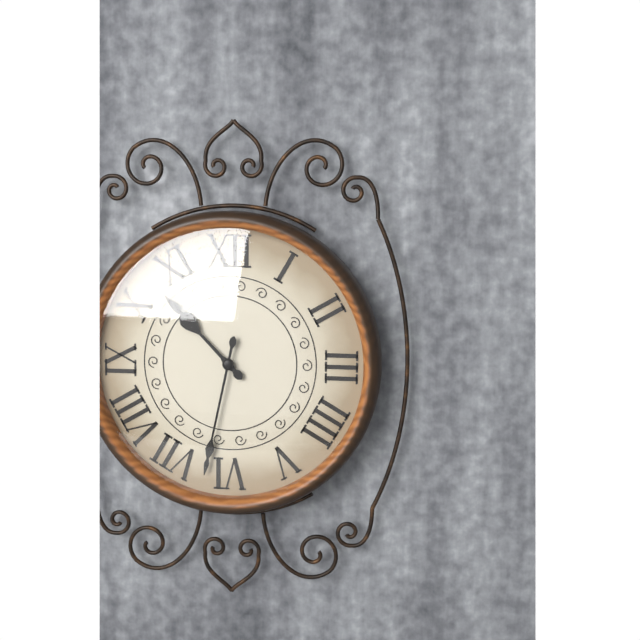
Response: 10:32
